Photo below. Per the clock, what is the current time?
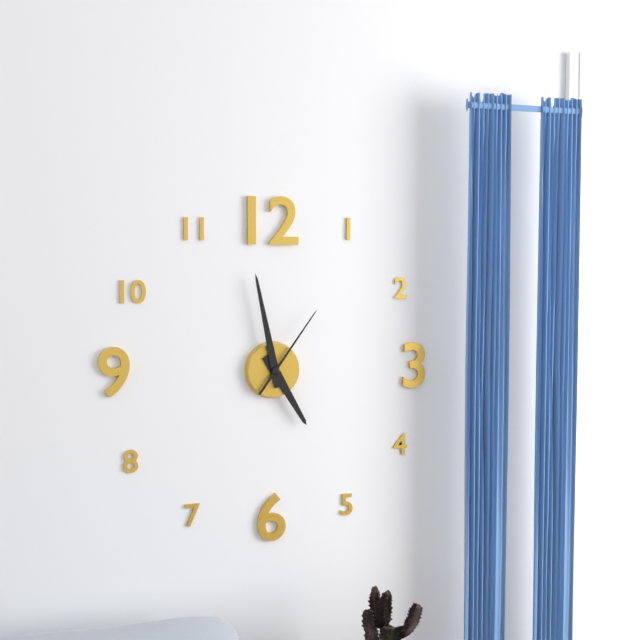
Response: 4:58:06
